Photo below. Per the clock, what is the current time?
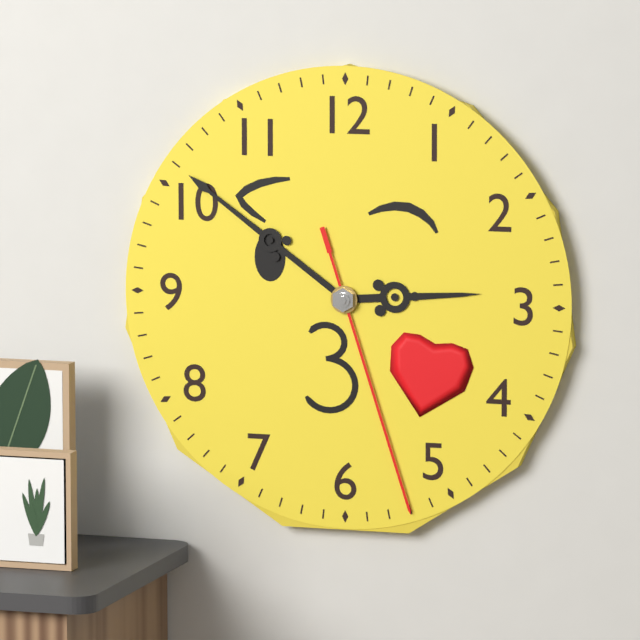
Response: 2:51:27
